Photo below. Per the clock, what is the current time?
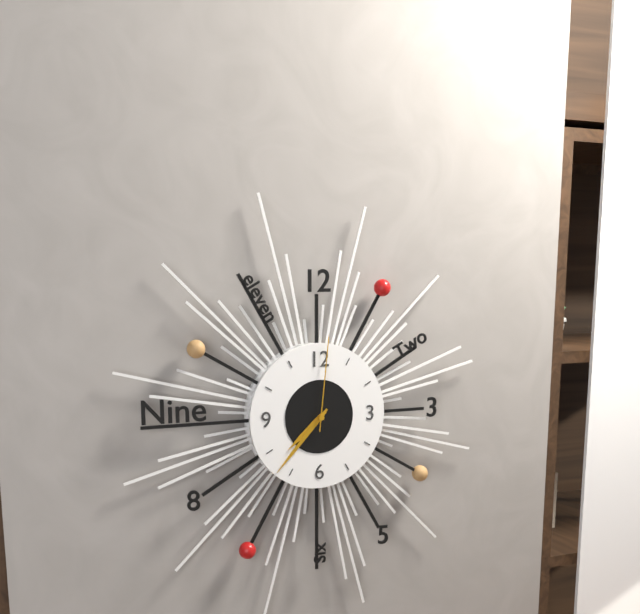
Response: 7:37:01
